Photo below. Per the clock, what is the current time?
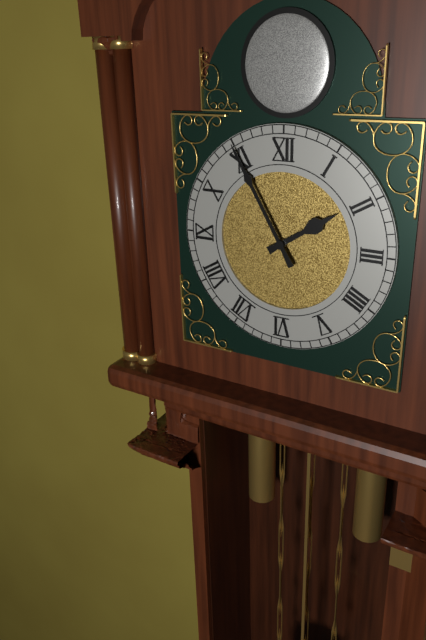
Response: 1:55
